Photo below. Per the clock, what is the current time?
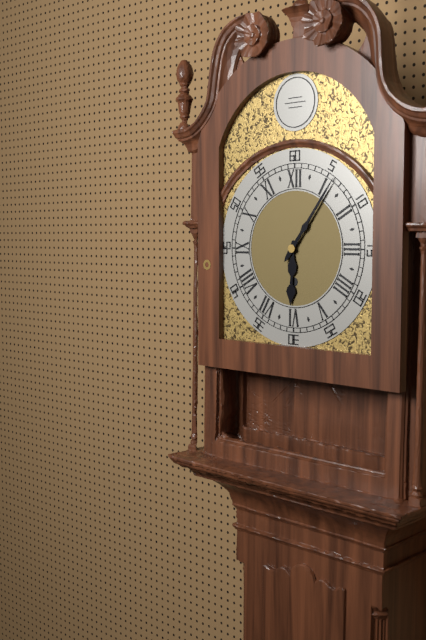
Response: 6:06
